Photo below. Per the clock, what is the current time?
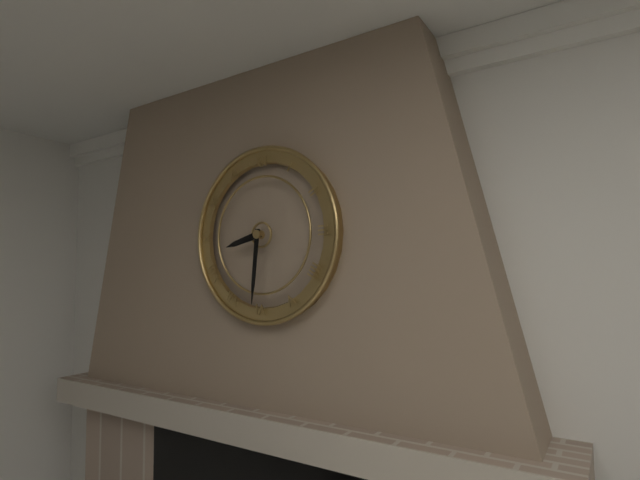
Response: 8:31
